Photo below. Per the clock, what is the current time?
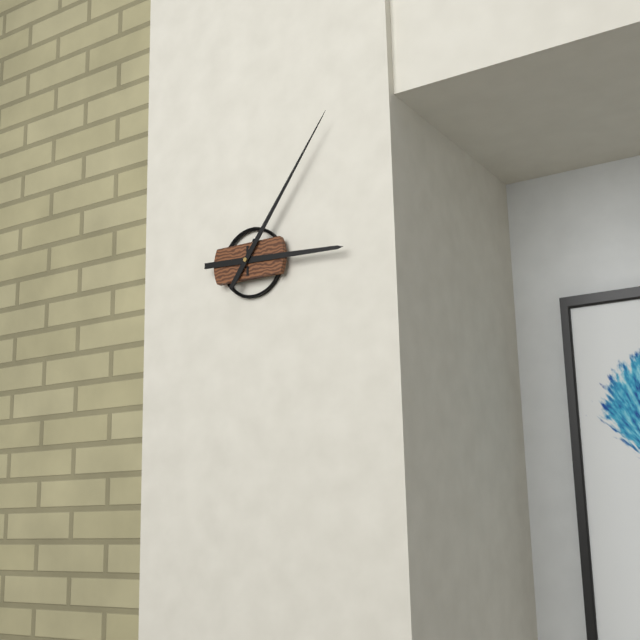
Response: 3:06
